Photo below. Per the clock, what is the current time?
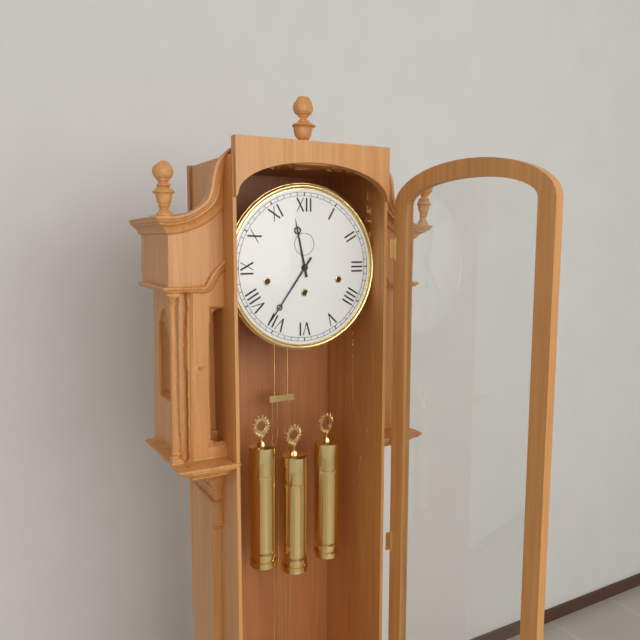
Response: 11:36
